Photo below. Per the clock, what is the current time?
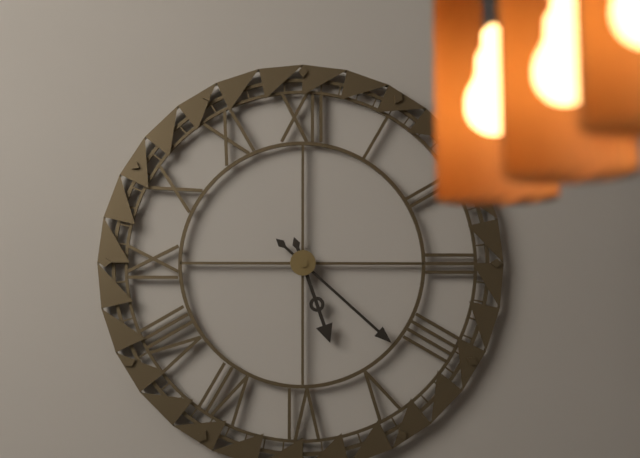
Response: 5:22
